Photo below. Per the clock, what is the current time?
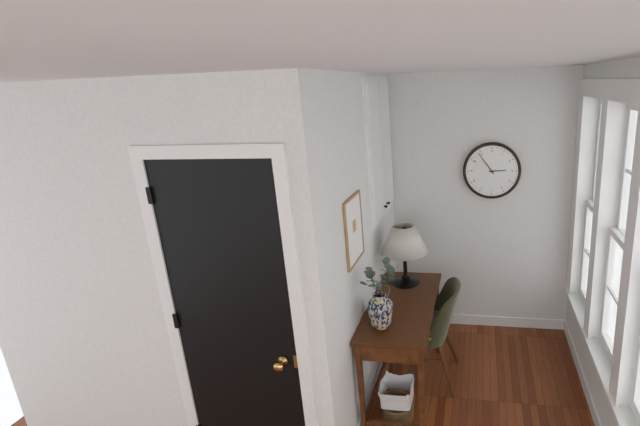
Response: 2:54
